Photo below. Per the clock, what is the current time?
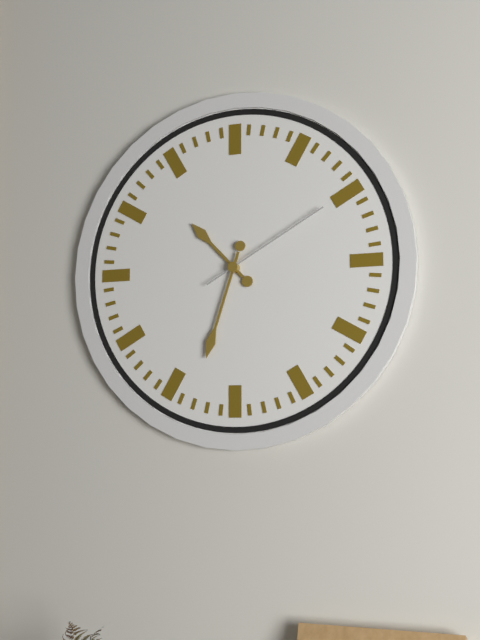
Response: 10:33:10
